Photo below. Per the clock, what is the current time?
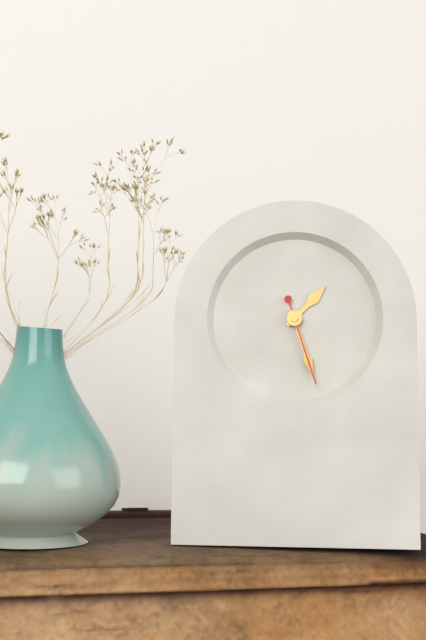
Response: 1:27:27
